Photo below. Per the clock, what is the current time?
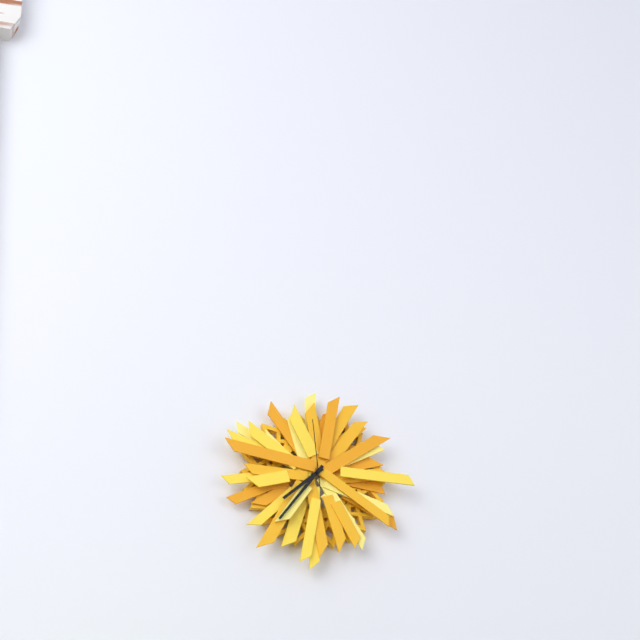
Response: 7:36:59
